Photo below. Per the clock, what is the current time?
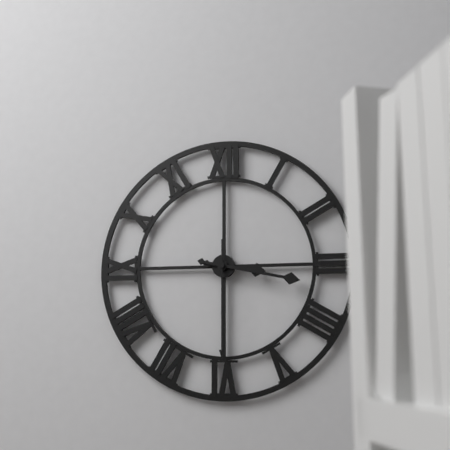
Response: 3:17:30
